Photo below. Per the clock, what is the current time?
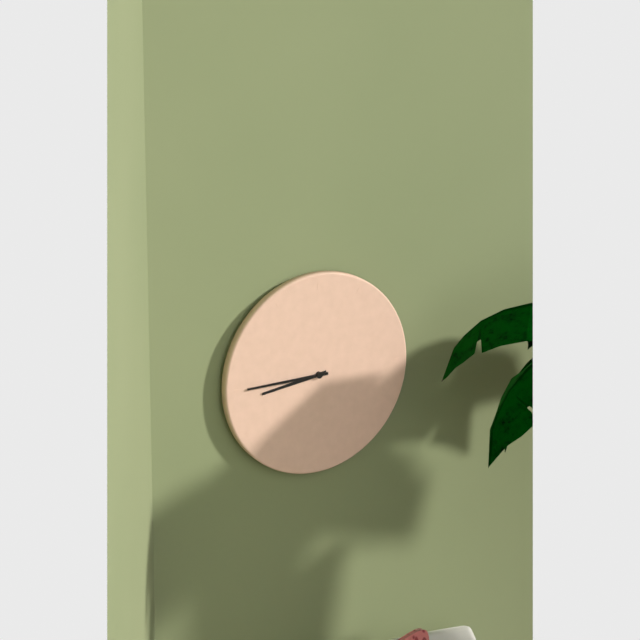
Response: 8:45
